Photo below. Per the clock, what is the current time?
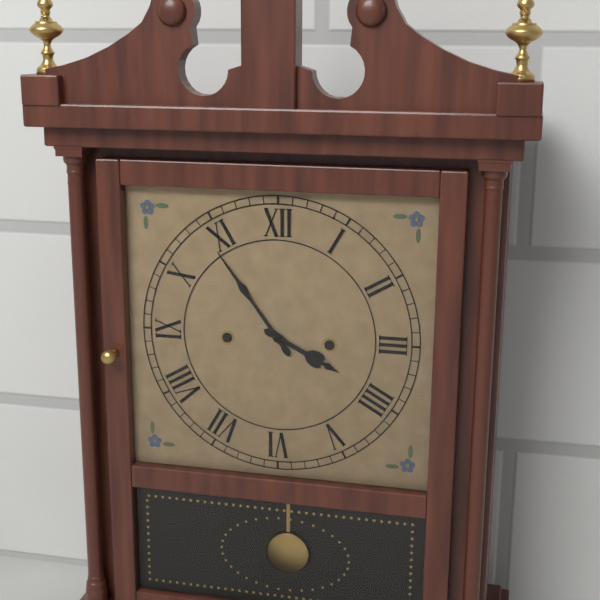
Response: 3:54
